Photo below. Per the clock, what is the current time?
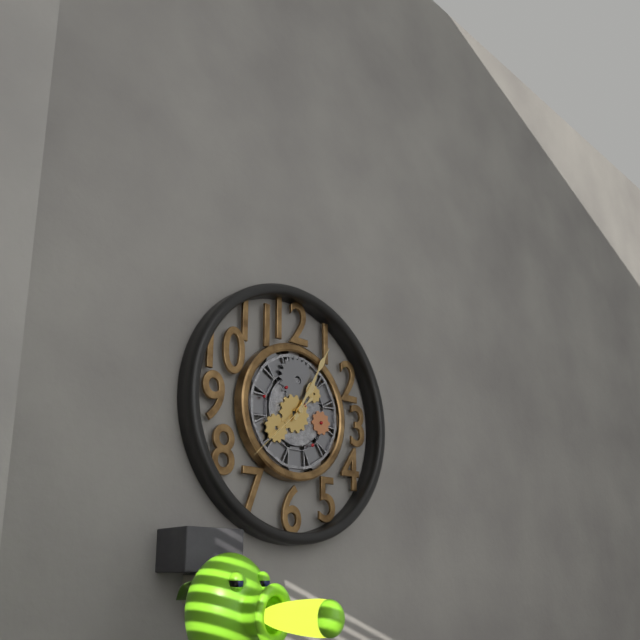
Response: 1:05:38
